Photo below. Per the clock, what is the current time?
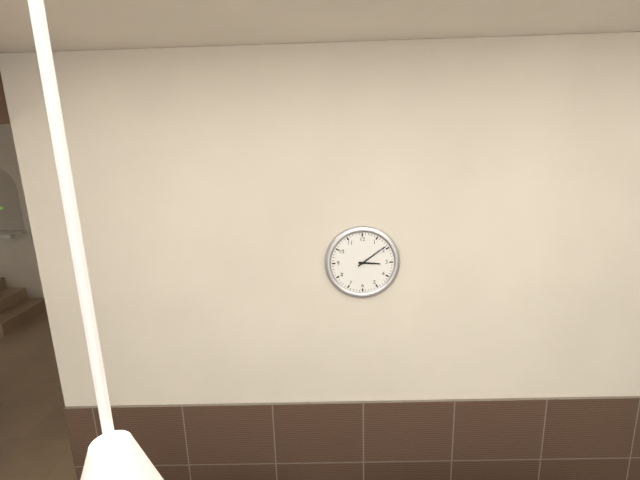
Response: 3:09
